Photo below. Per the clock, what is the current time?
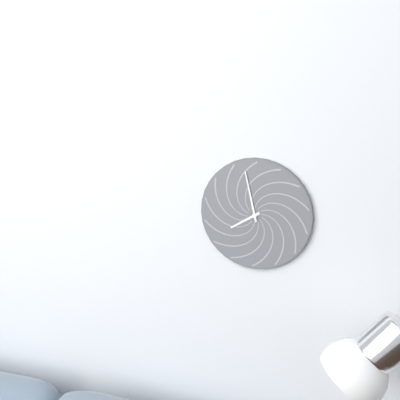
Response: 7:58
